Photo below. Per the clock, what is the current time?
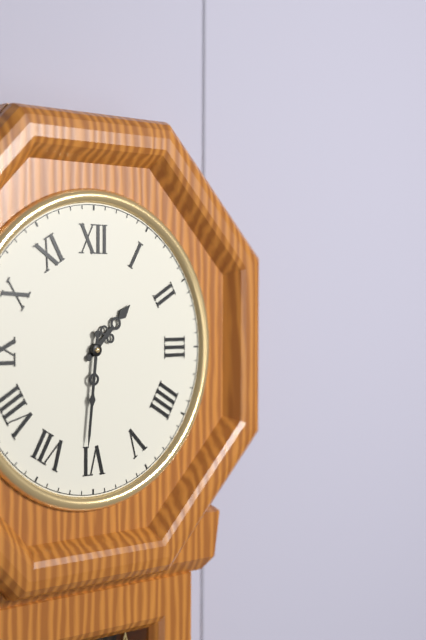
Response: 1:31
